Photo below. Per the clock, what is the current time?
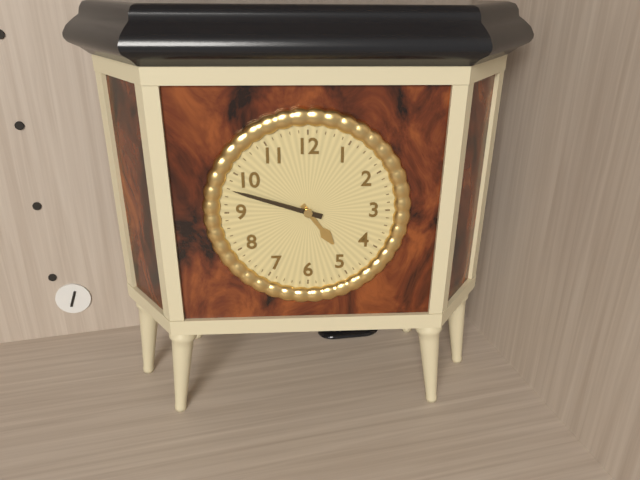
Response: 4:48
